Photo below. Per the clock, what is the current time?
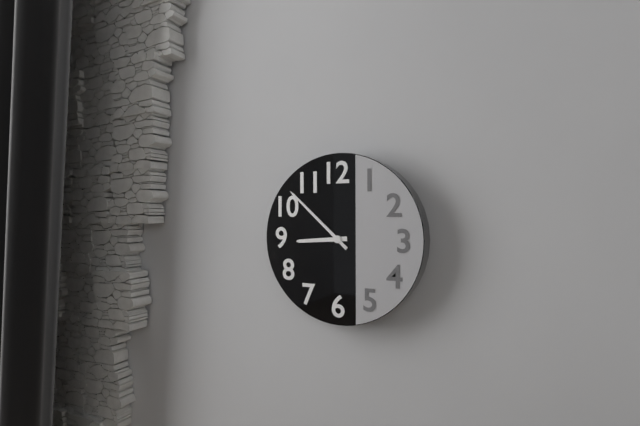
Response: 8:52
